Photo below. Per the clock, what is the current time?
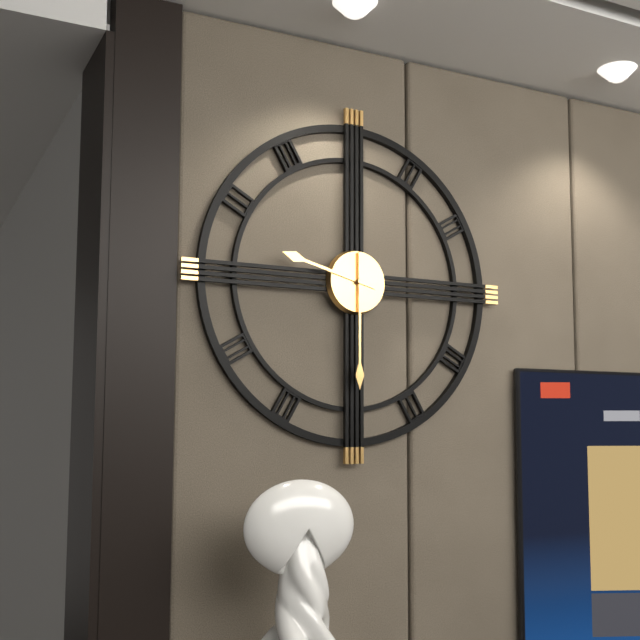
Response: 9:30
